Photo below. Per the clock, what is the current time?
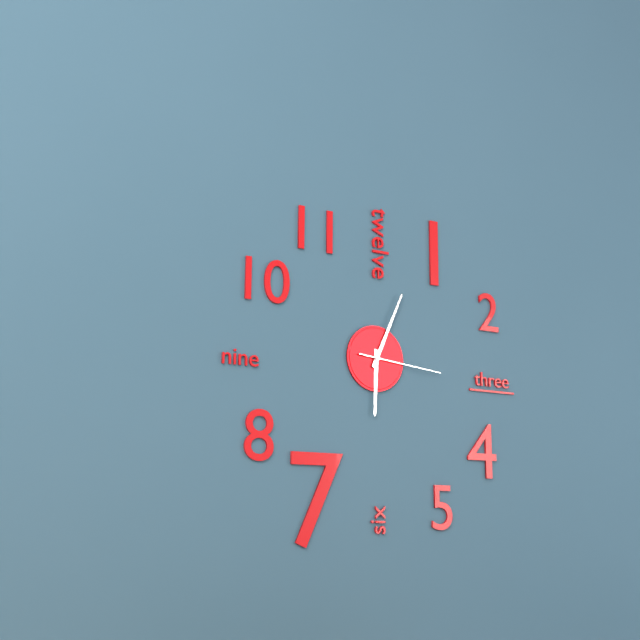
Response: 6:04:16
